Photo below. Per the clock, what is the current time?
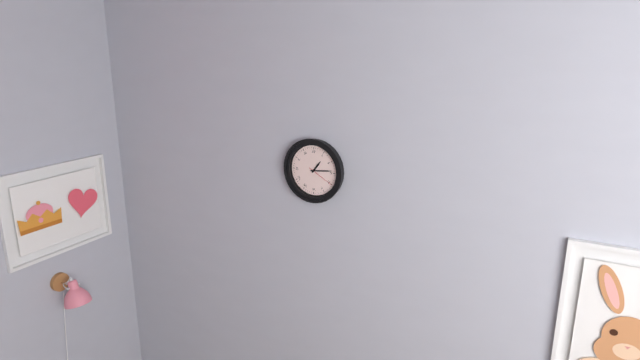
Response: 1:14
